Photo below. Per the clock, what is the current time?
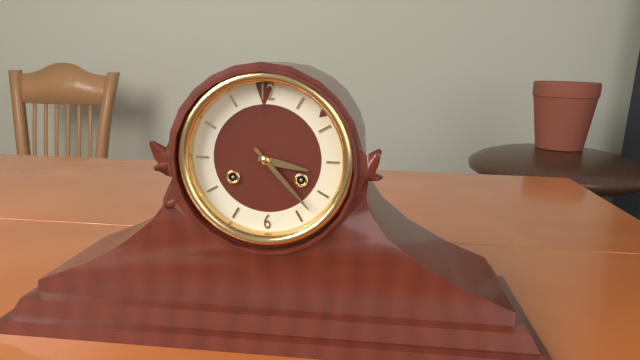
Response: 3:23
